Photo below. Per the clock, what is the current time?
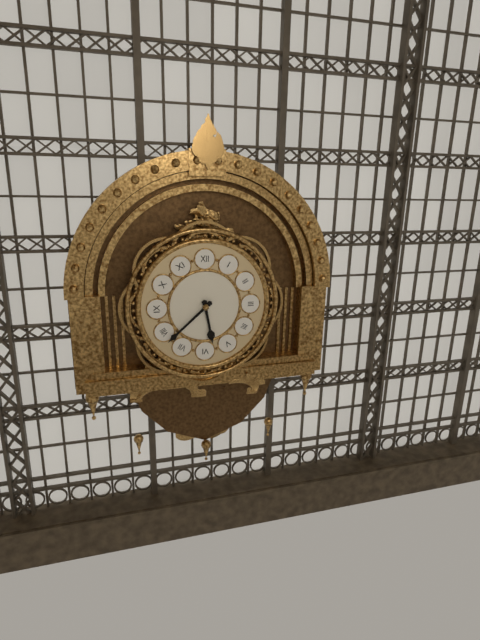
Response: 5:38
